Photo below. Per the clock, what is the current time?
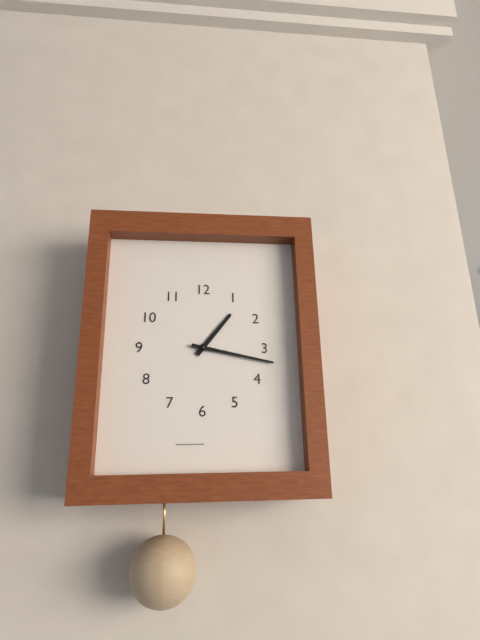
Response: 1:17
